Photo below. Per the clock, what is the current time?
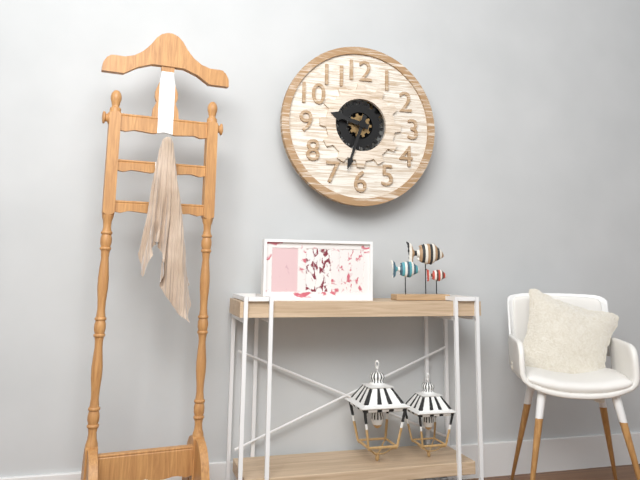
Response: 9:33
